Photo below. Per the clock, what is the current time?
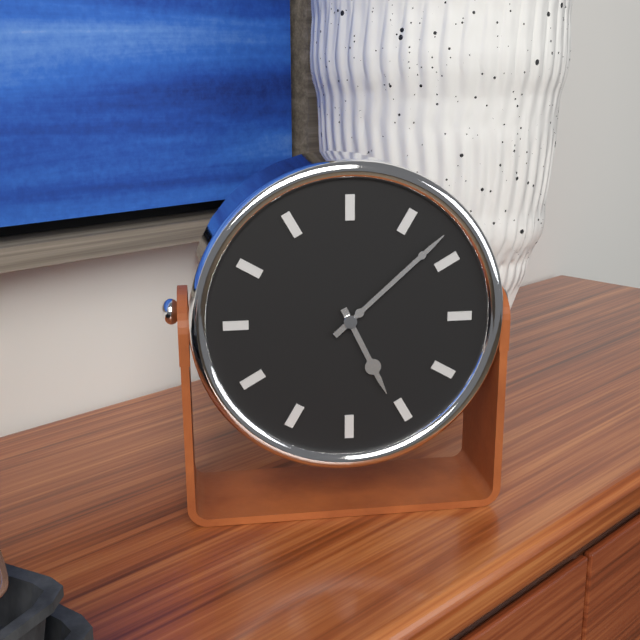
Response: 5:08
